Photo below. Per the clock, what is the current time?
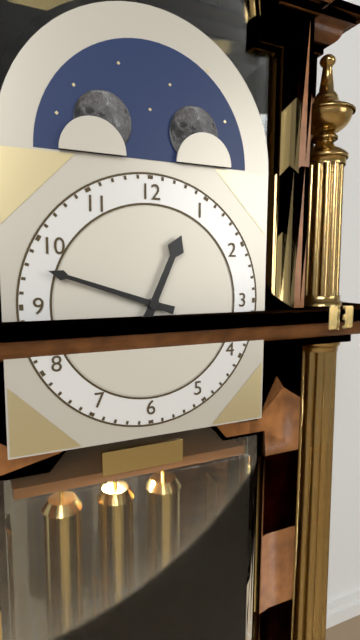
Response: 12:48
